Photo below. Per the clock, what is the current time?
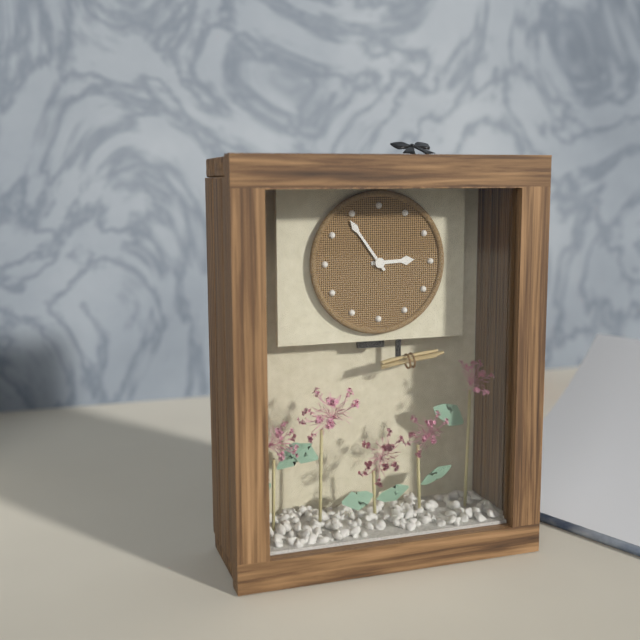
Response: 2:54
